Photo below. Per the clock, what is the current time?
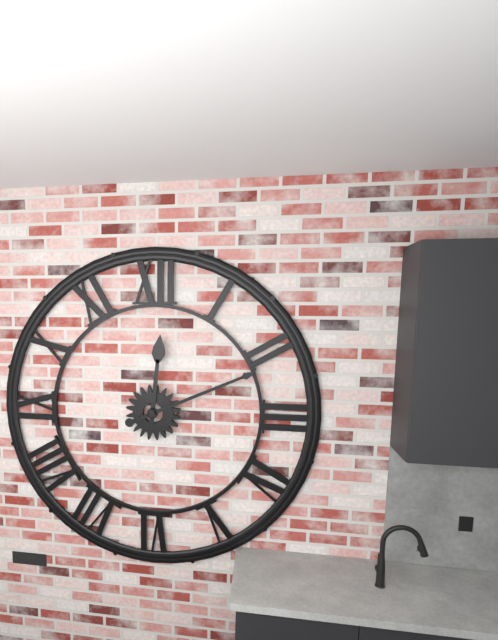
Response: 12:11
